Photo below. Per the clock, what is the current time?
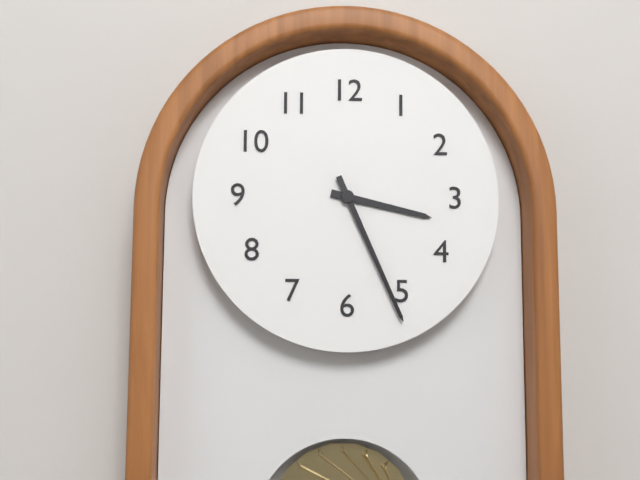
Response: 3:26
